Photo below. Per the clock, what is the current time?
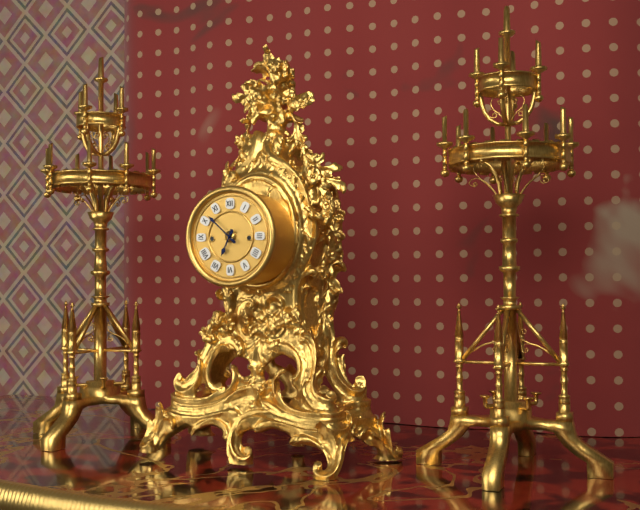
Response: 6:52
